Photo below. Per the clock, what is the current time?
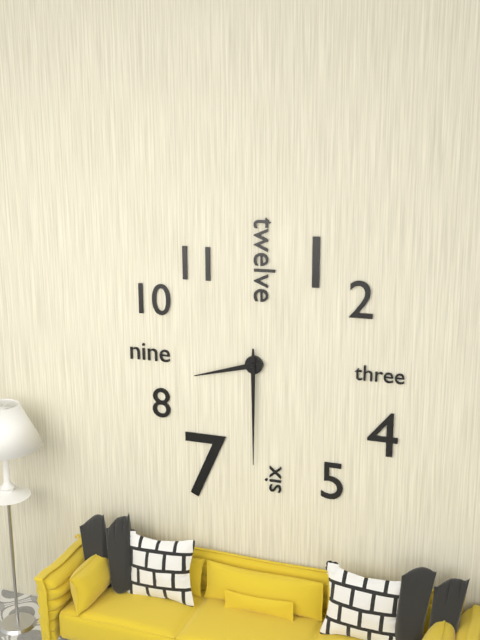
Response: 8:30
